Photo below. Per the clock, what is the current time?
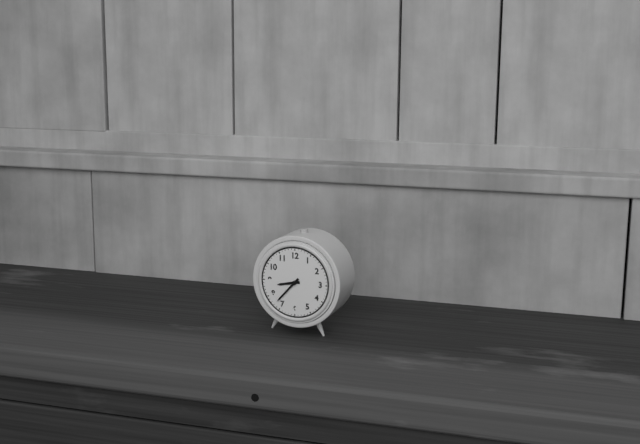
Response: 8:37
